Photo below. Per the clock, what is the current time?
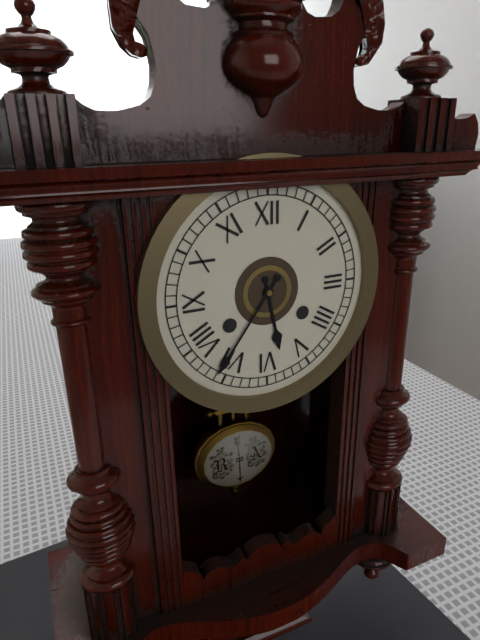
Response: 5:36
